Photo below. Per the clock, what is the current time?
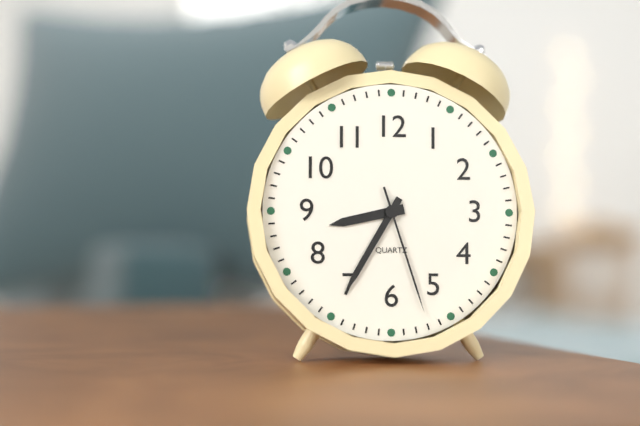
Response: 8:35:27
